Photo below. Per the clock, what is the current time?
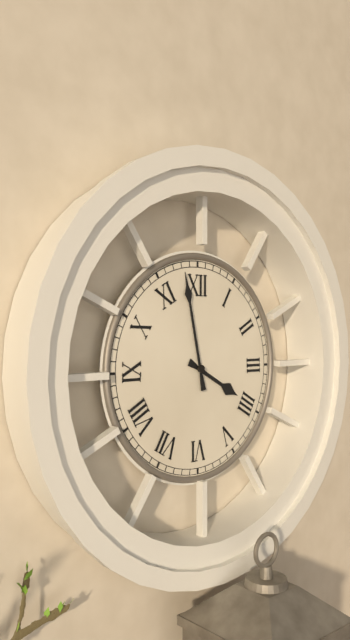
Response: 3:58
